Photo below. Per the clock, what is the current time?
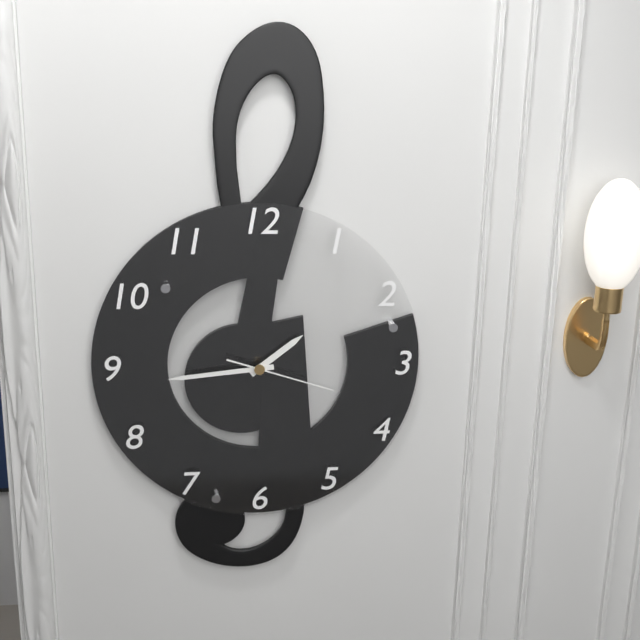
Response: 1:44:18
